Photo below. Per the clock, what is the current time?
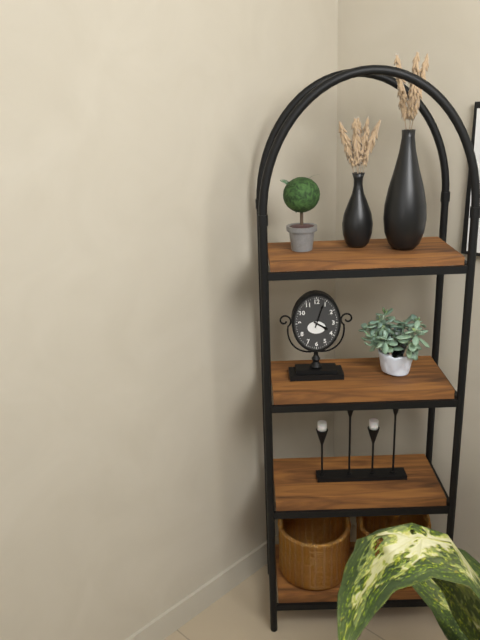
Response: 4:03
